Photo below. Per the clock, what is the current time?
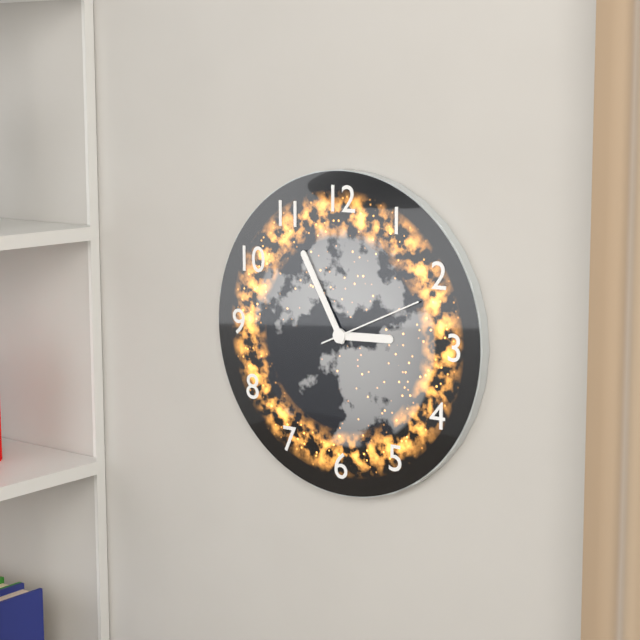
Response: 2:55:11
